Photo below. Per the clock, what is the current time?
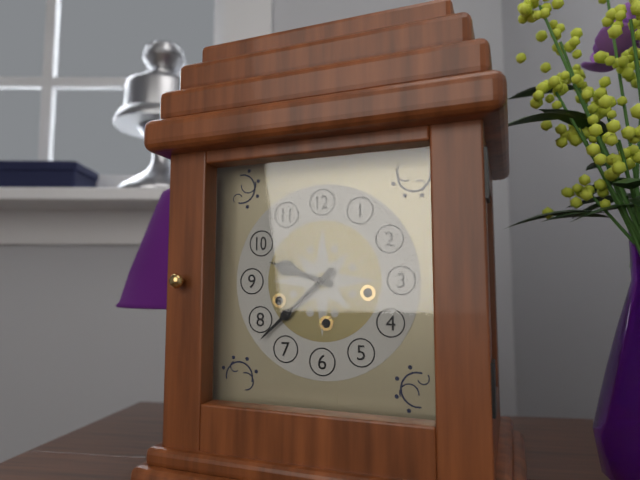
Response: 9:38
